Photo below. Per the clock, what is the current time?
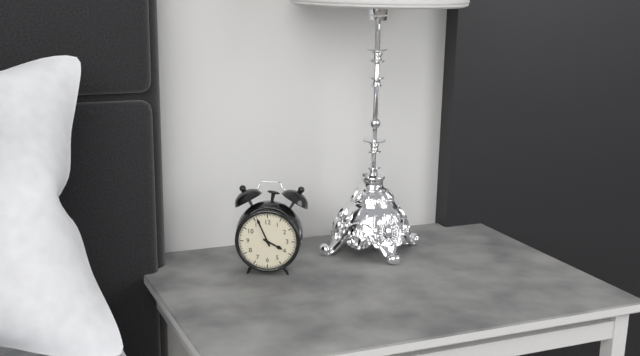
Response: 3:56
